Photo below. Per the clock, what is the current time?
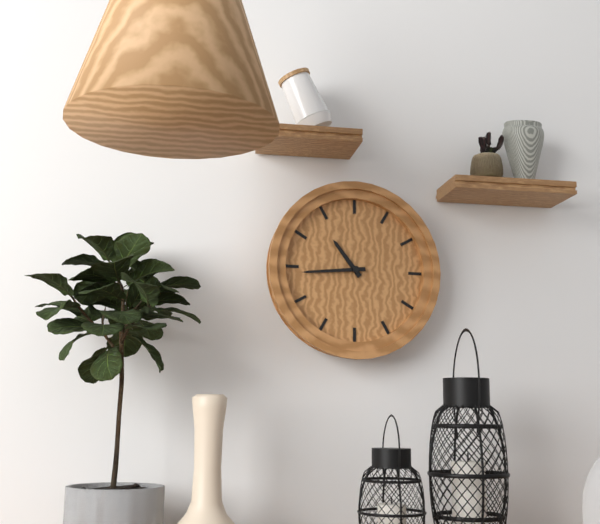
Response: 10:44
